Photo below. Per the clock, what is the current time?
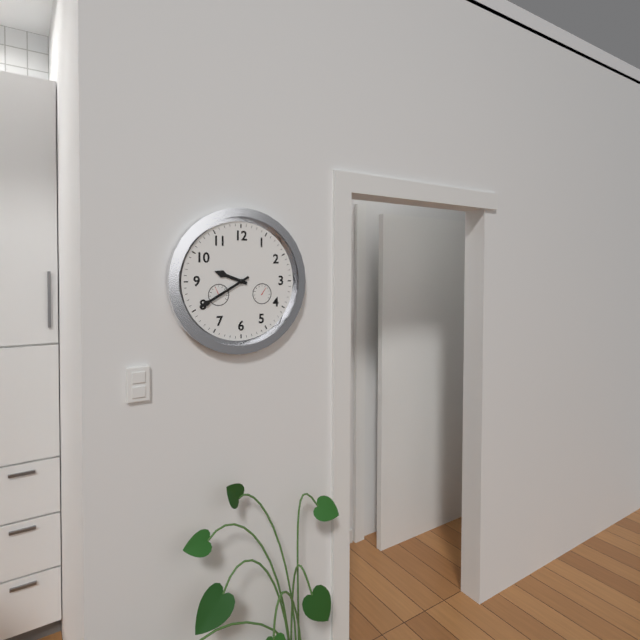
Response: 9:40
